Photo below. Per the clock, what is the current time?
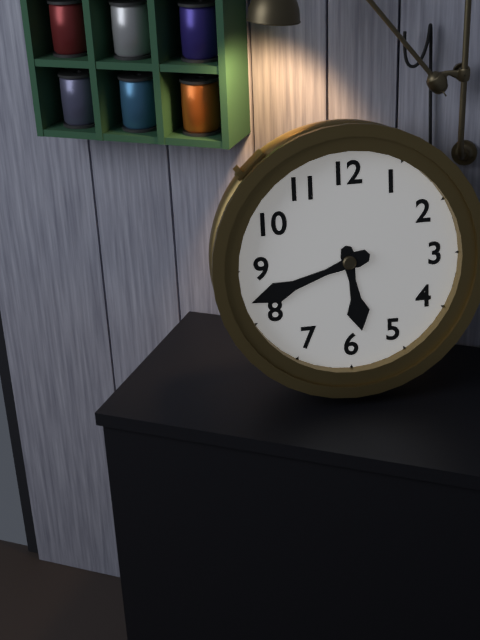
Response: 5:42
